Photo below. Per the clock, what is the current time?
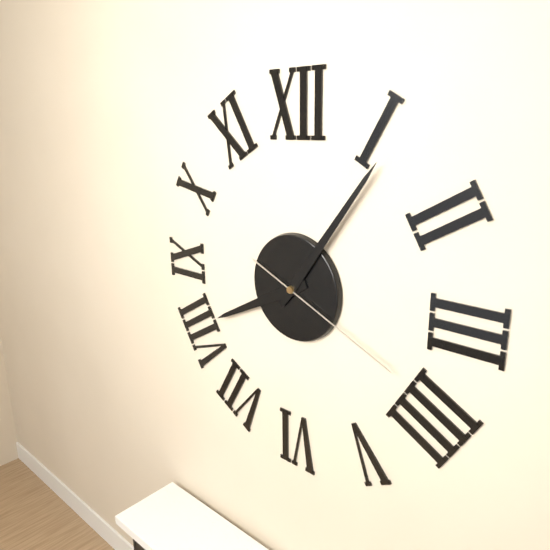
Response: 8:06:19
